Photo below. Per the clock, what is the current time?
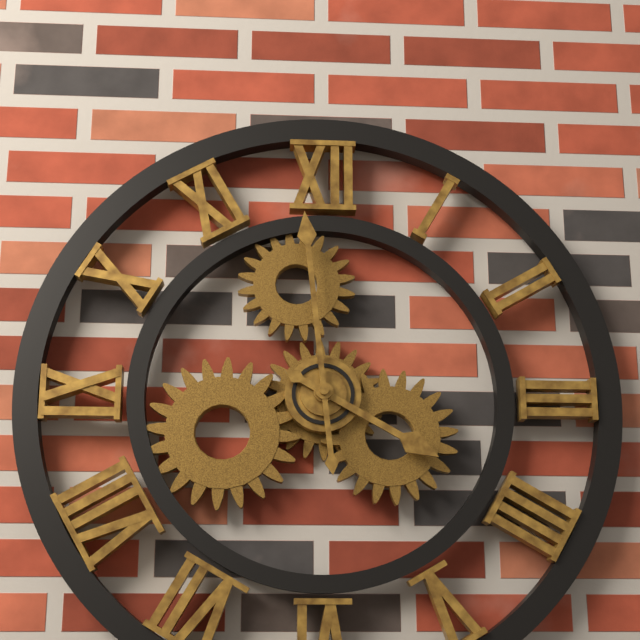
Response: 3:59
